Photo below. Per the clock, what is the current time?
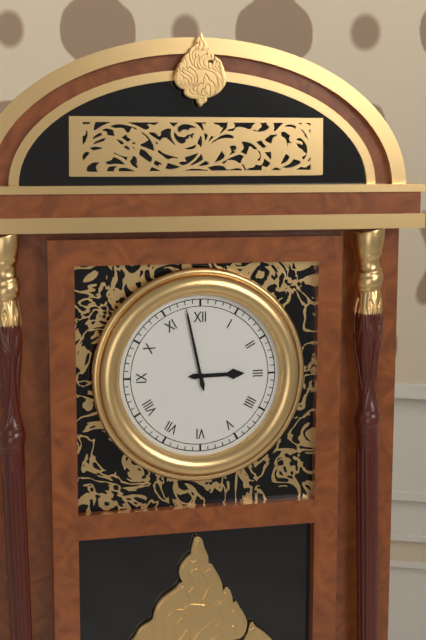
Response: 2:58
